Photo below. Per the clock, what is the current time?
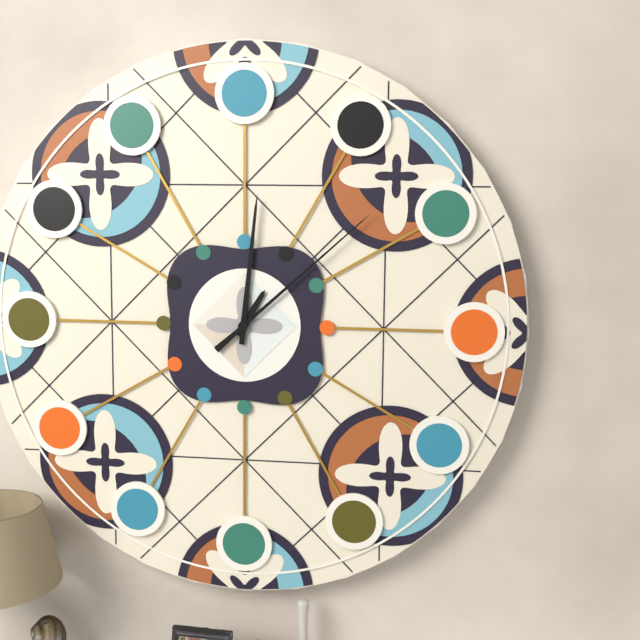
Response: 1:01:08
